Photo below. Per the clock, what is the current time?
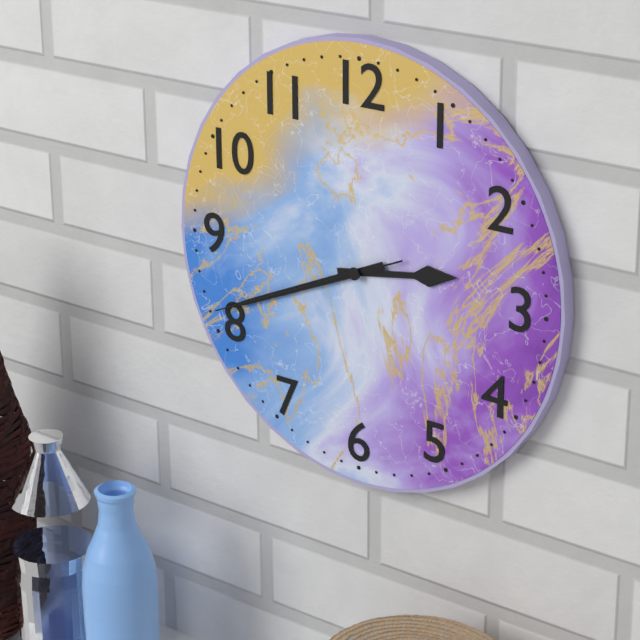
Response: 2:41:41
